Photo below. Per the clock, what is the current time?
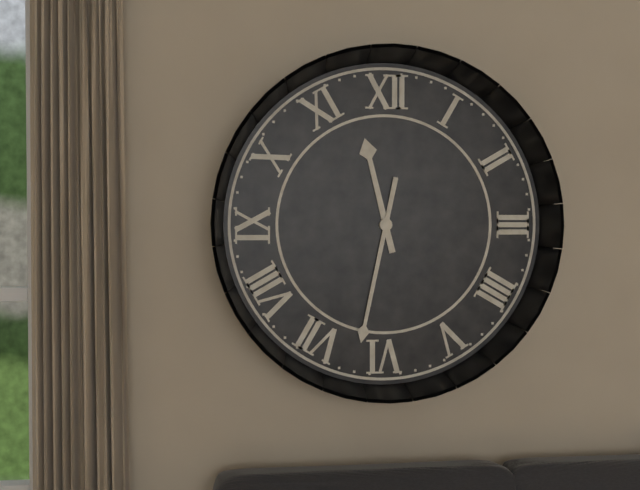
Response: 11:32
